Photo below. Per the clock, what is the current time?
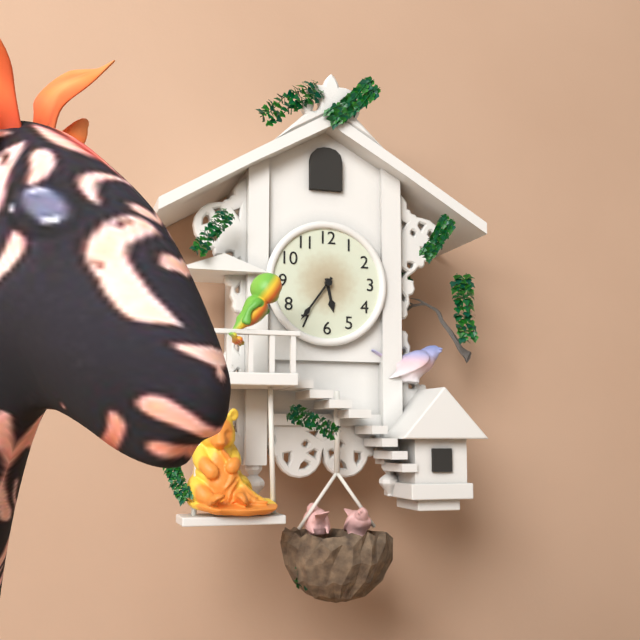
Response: 5:36
